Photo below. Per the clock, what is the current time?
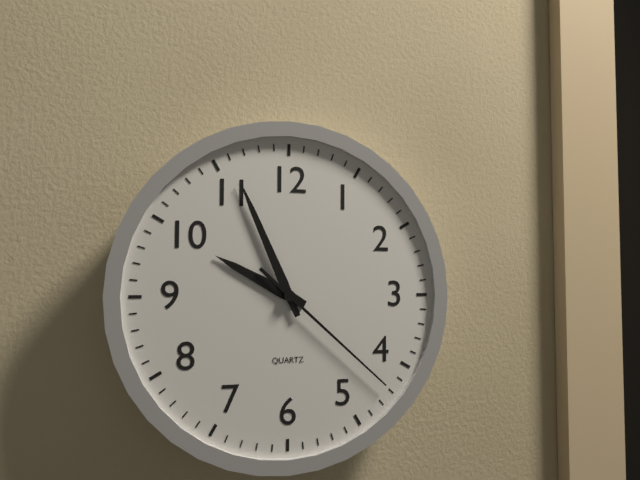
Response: 9:56:22
